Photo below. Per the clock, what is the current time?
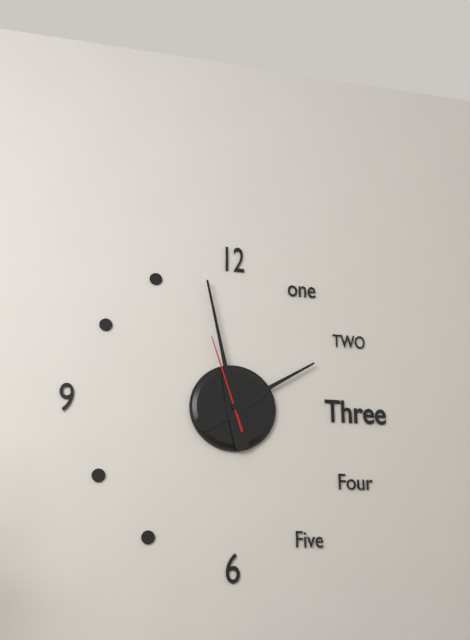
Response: 1:58:57
